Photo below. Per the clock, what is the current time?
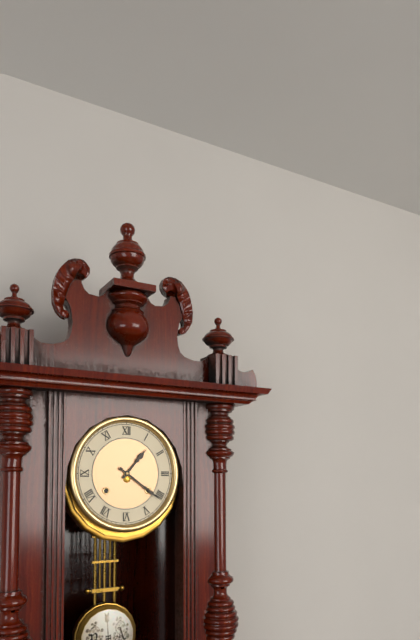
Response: 1:21
